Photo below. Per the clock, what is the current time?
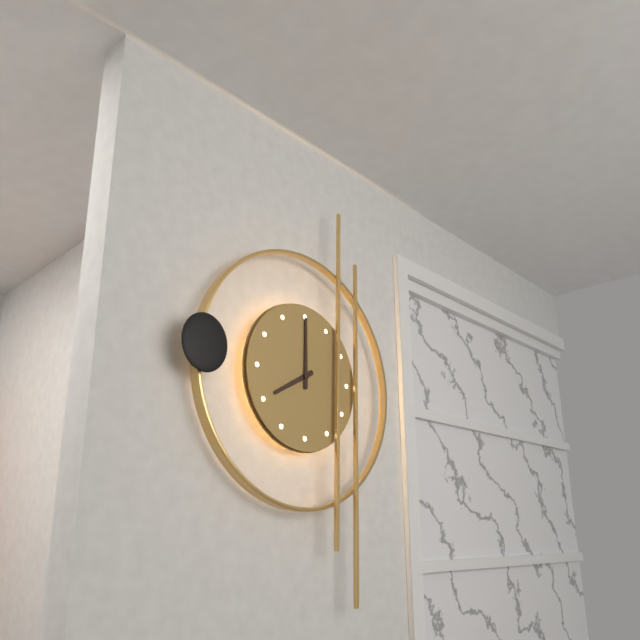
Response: 8:00
